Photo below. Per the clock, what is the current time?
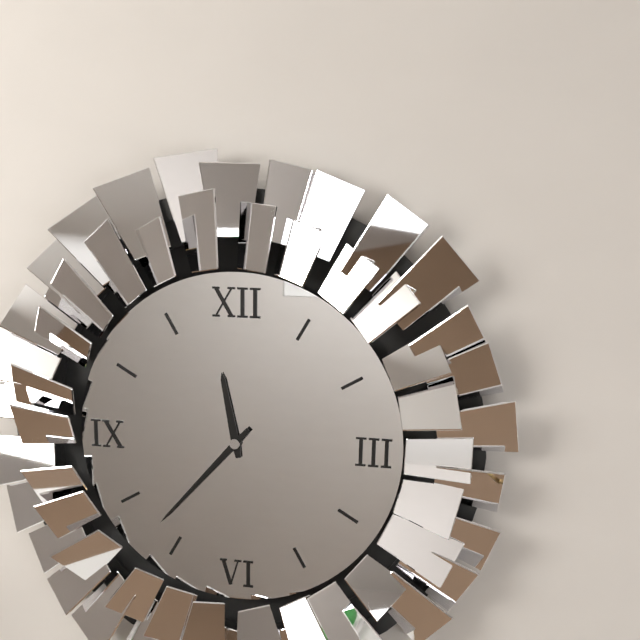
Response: 11:37
